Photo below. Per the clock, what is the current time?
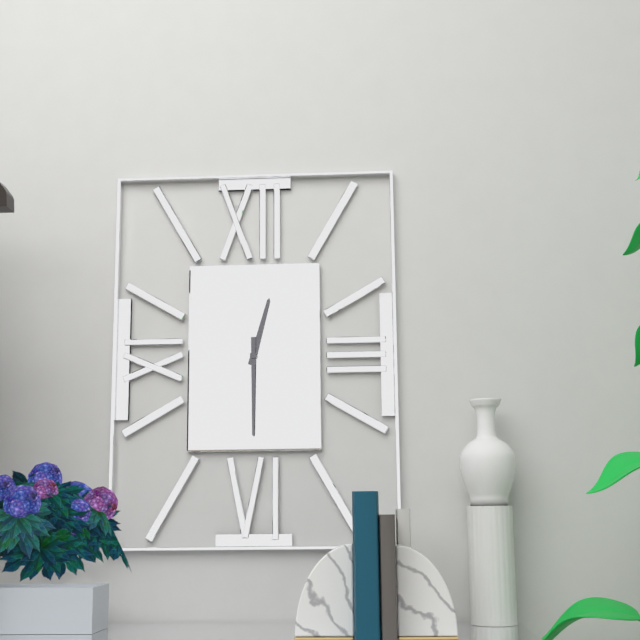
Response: 12:30
